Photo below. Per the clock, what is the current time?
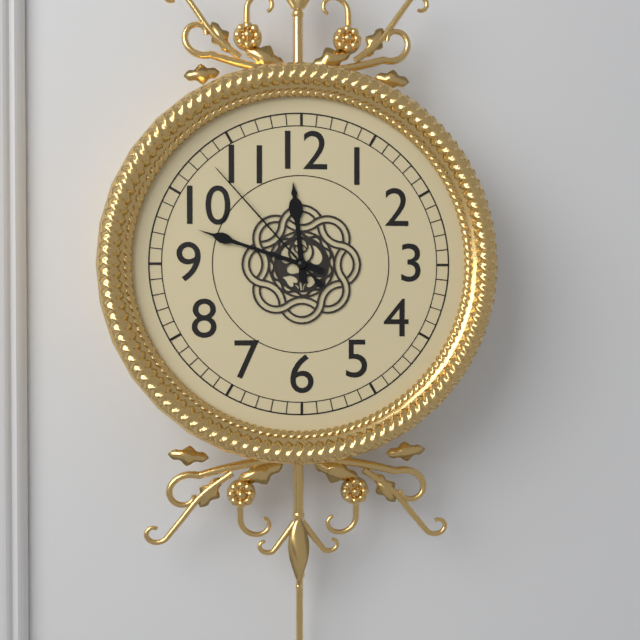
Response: 11:48:53
